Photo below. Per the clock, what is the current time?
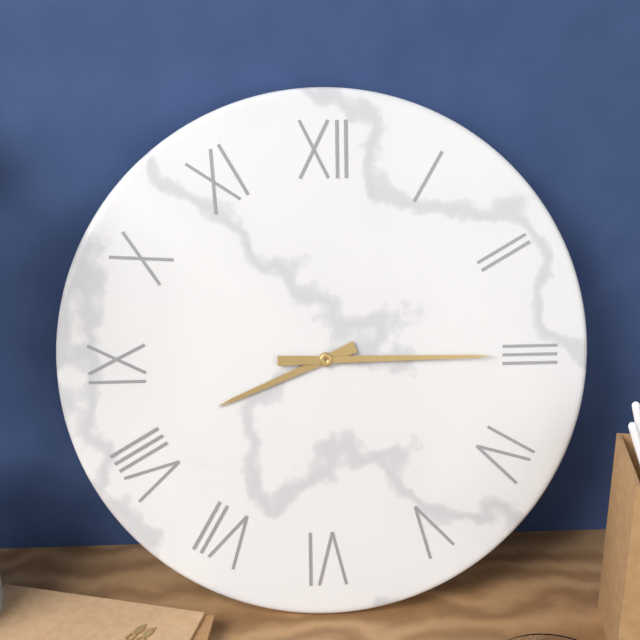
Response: 8:15
